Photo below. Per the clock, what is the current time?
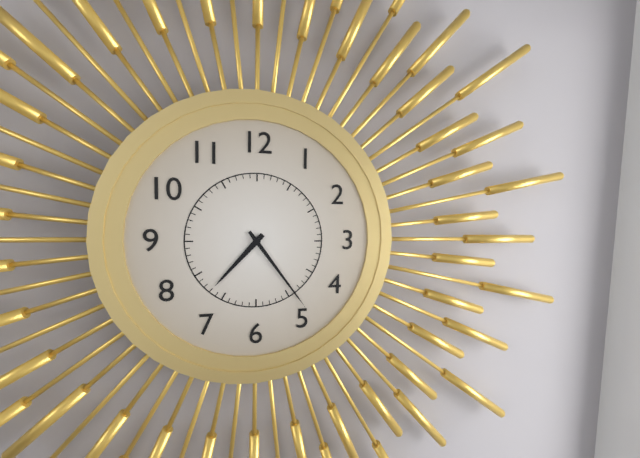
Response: 7:24
